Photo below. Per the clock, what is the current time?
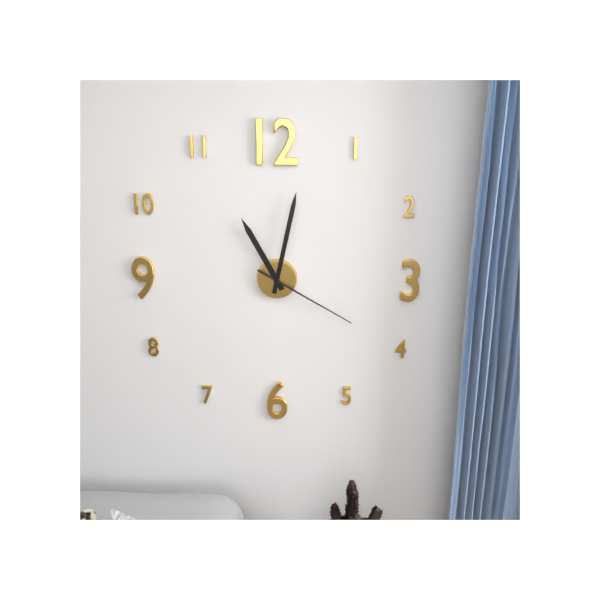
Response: 11:02:20
